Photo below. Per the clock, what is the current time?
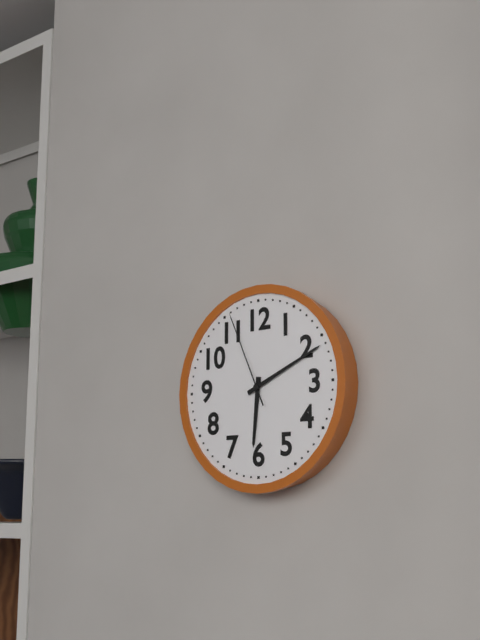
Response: 6:11:56
